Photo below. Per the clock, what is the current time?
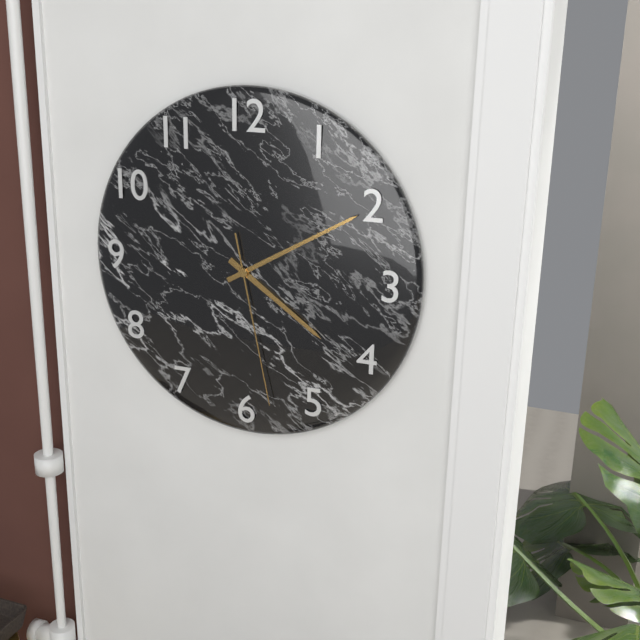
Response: 4:10:28
